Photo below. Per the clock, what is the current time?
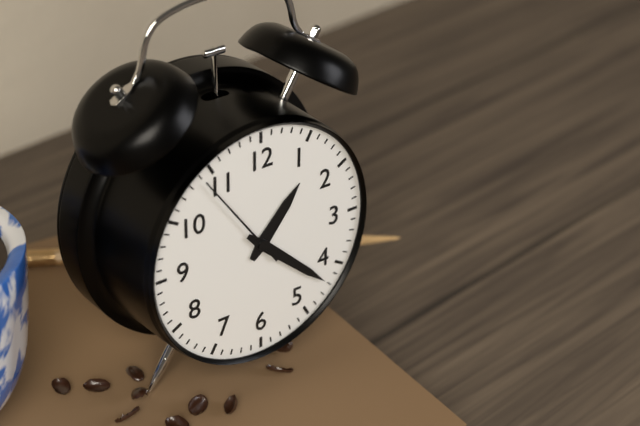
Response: 1:22:54
